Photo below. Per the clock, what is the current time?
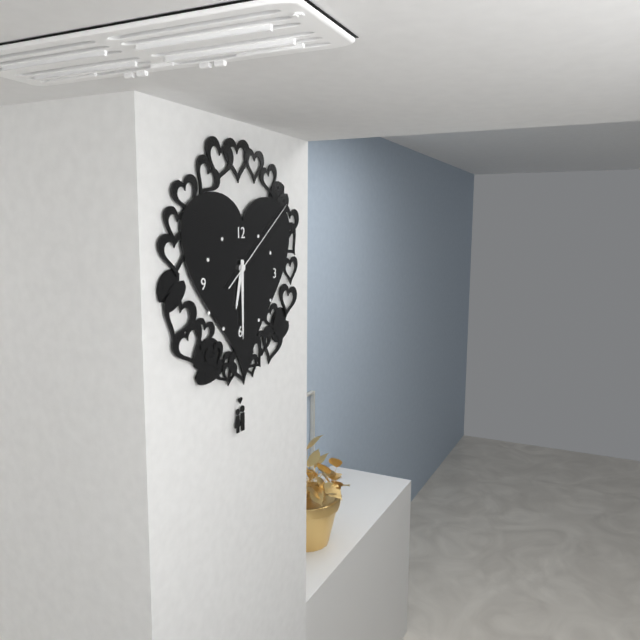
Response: 6:30:09
